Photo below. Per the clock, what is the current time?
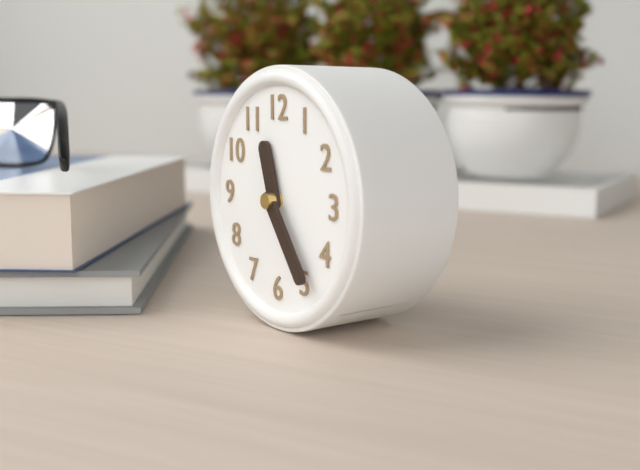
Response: 11:24
